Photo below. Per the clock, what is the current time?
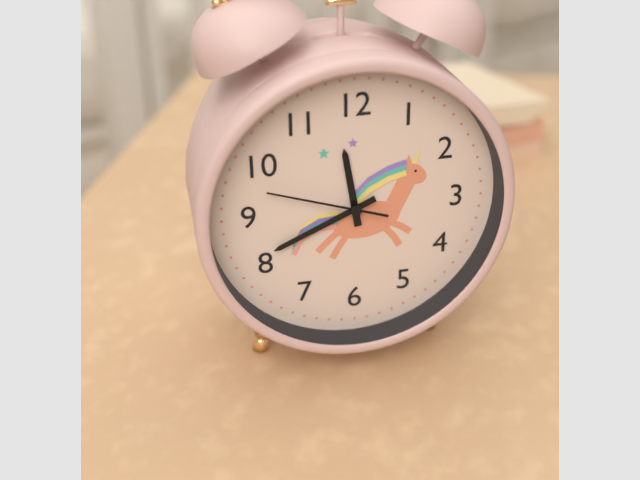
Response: 11:41:48
